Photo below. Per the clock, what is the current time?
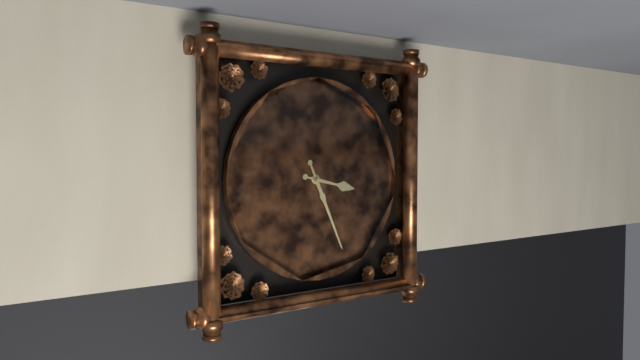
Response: 3:26
